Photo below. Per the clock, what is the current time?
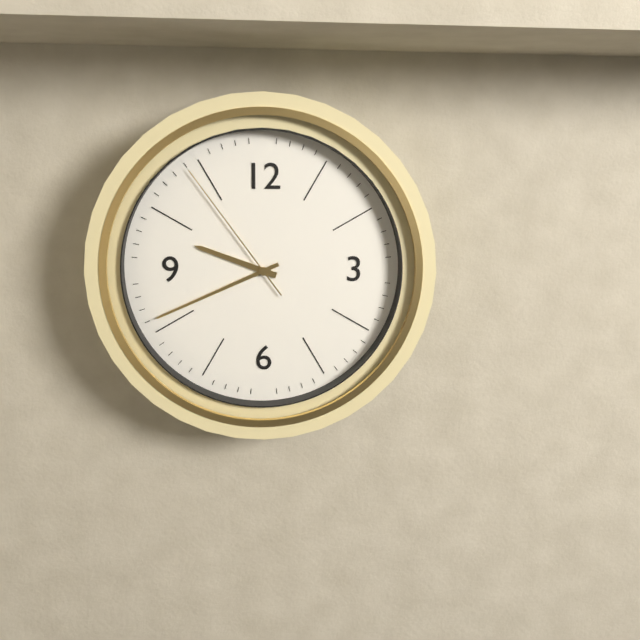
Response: 9:41:54
